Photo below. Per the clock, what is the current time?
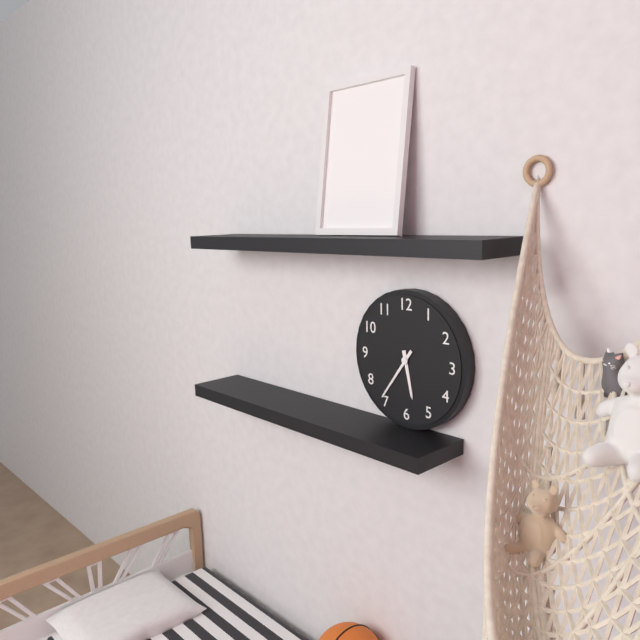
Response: 5:36
